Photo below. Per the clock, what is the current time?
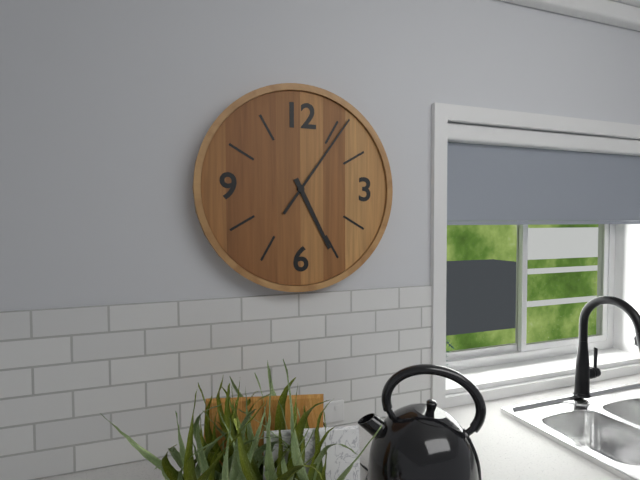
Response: 5:06
